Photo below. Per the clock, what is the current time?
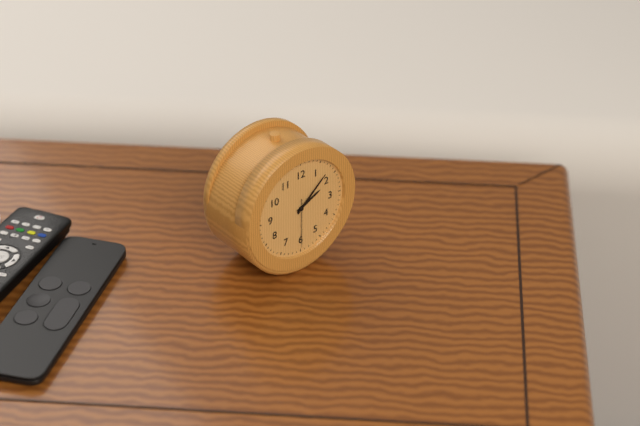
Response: 2:08:30
